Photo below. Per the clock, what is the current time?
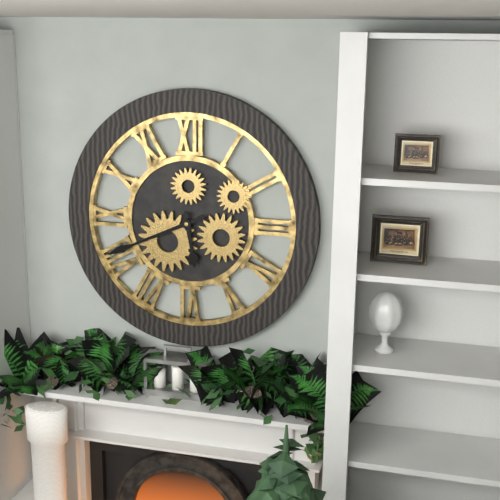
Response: 5:41
